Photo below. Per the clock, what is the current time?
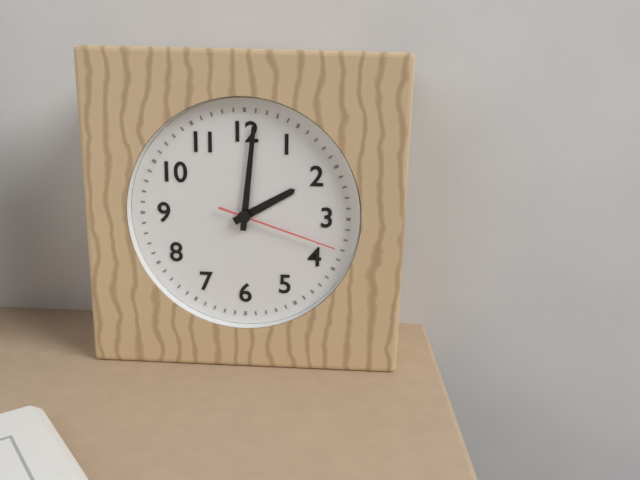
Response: 2:01:18
